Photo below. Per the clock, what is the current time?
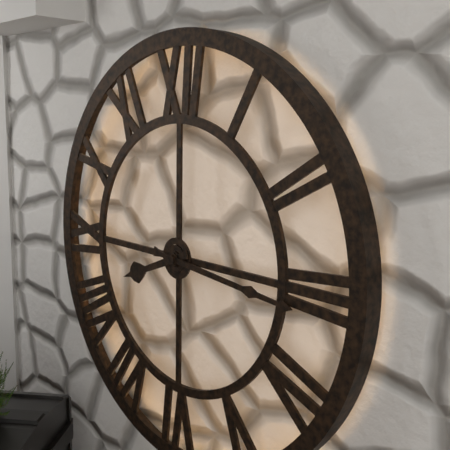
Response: 8:16
